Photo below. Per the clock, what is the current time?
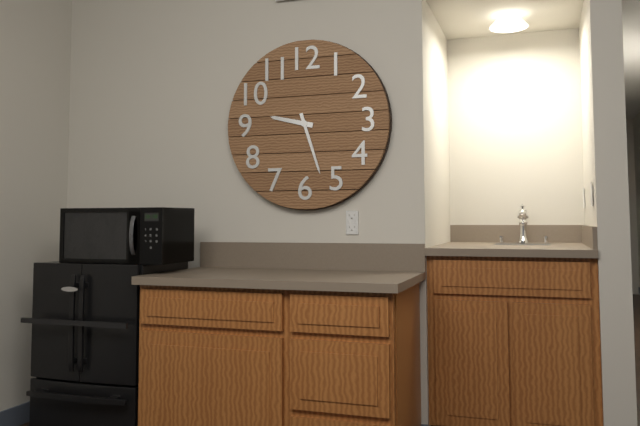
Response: 9:27
